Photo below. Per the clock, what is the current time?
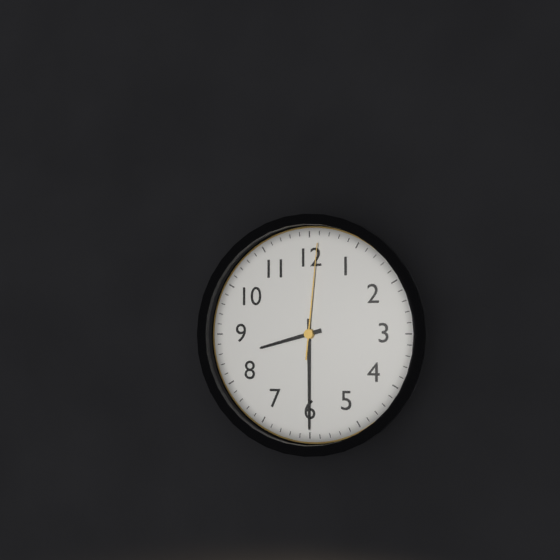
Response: 8:30:01
